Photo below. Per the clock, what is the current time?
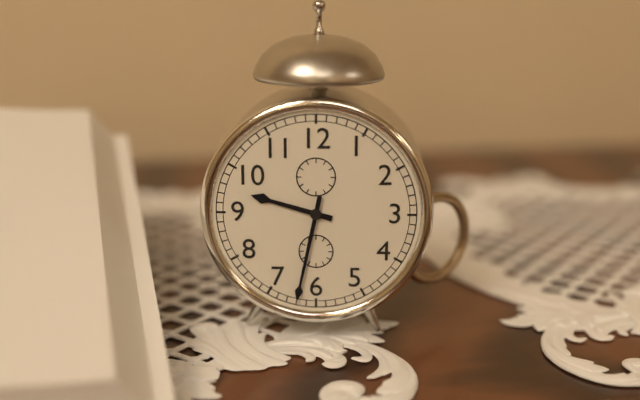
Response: 9:32
